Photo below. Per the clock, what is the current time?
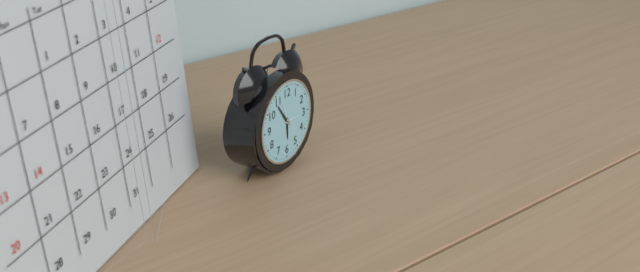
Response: 5:54
